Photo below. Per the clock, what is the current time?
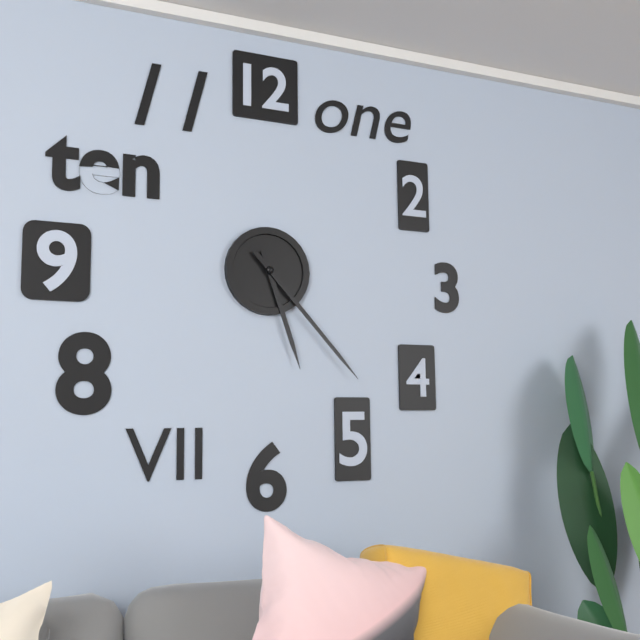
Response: 5:23
